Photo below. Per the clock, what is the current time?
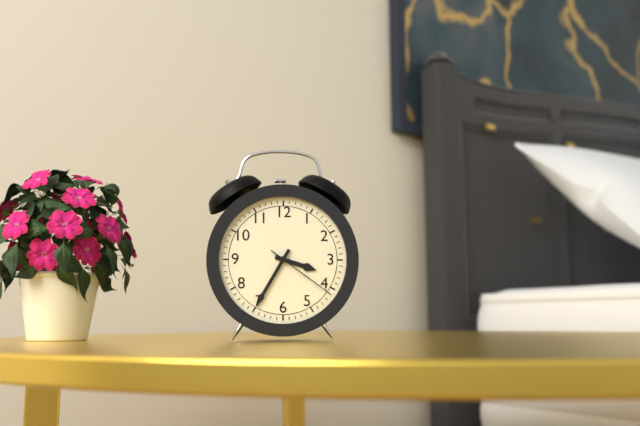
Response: 3:35:21
